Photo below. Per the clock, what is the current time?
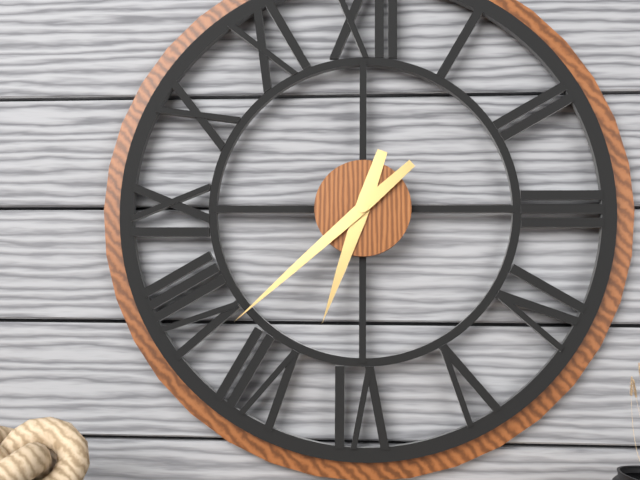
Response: 6:38
